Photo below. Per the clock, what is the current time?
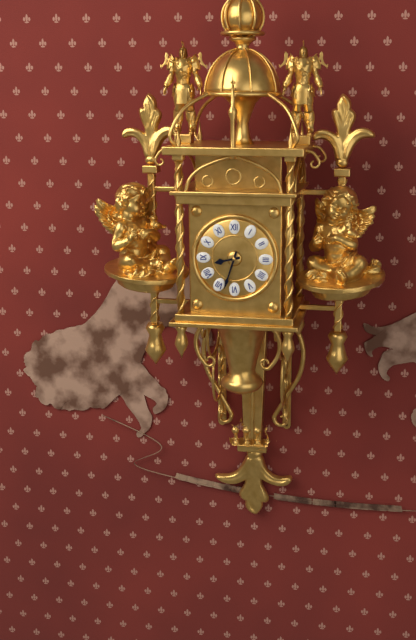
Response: 8:33
